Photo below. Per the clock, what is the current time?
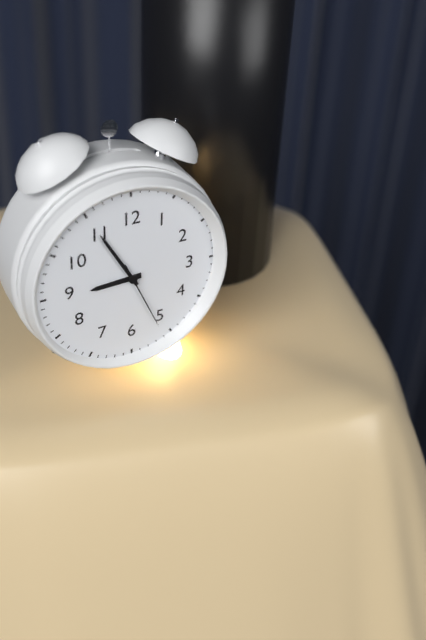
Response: 8:55:26
